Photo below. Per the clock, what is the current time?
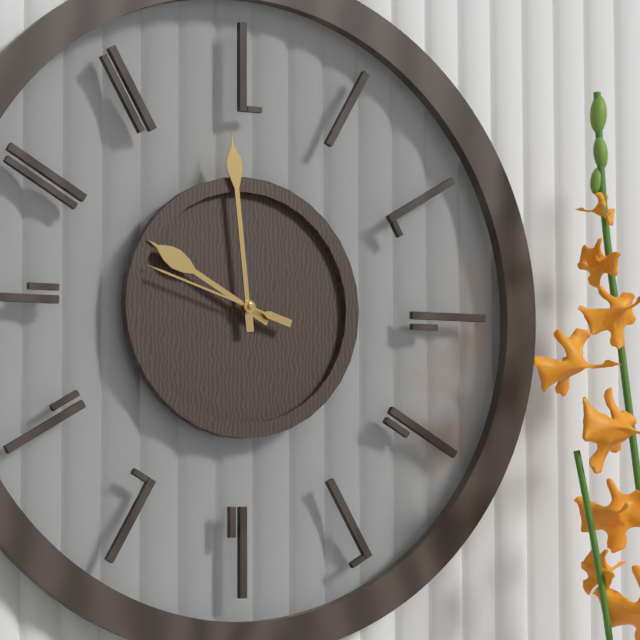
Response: 9:59:48
